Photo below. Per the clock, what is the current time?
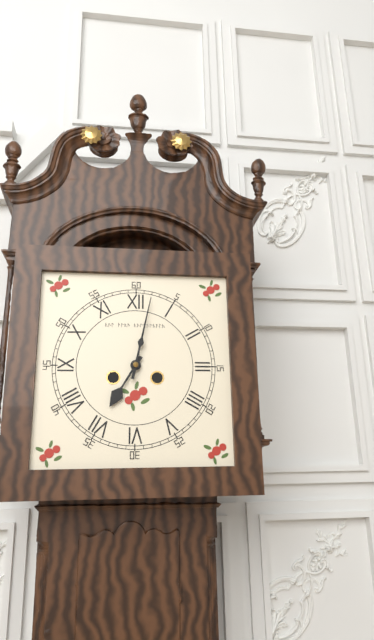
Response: 7:02
